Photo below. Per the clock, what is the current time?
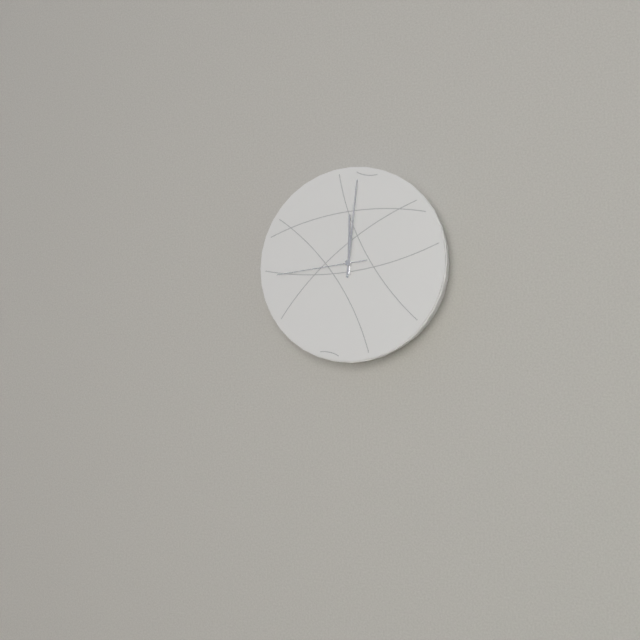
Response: 12:01:44
